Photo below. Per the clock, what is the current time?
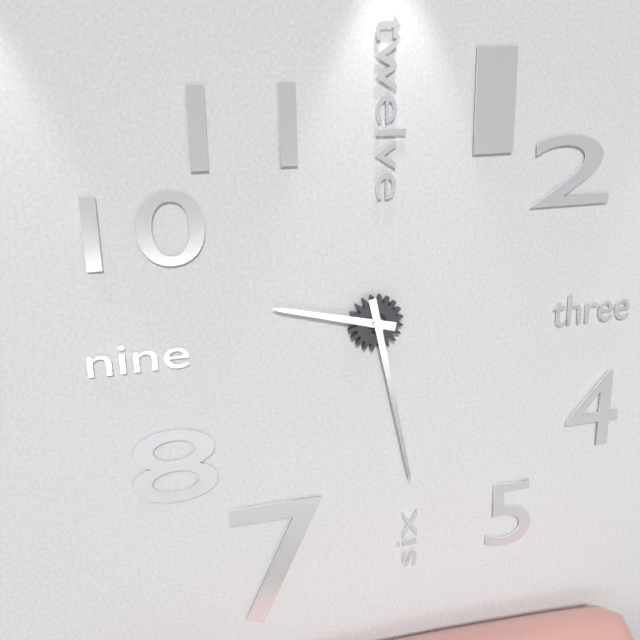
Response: 9:28
